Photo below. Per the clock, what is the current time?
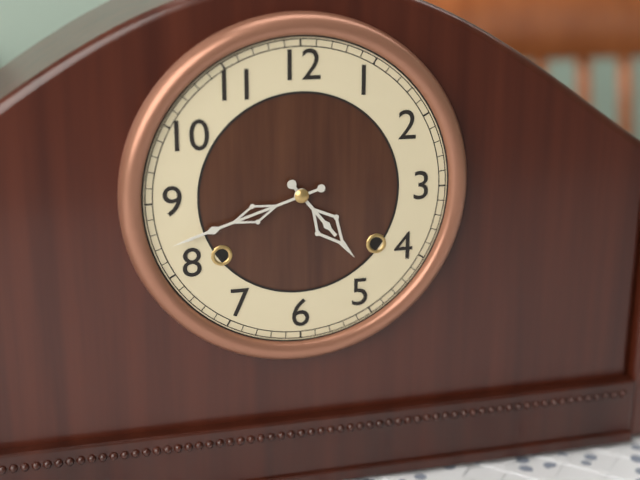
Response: 4:42
